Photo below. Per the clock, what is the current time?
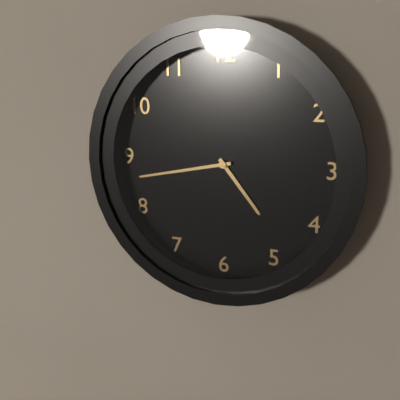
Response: 4:43
